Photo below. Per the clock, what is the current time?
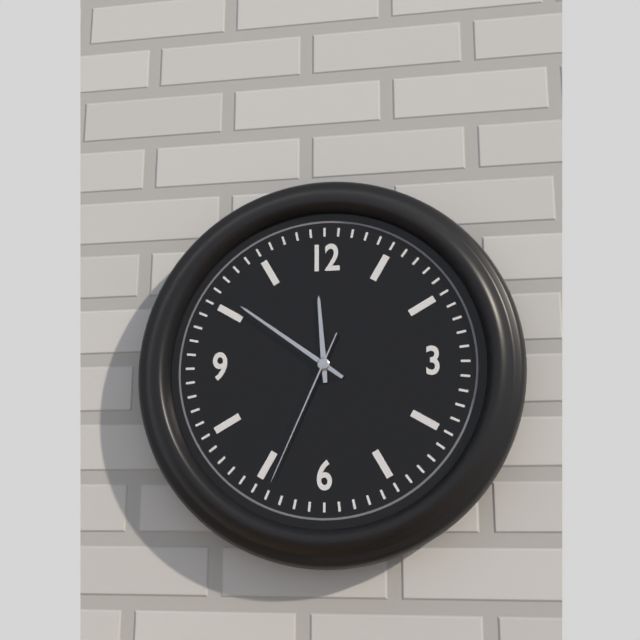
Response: 11:51:34
